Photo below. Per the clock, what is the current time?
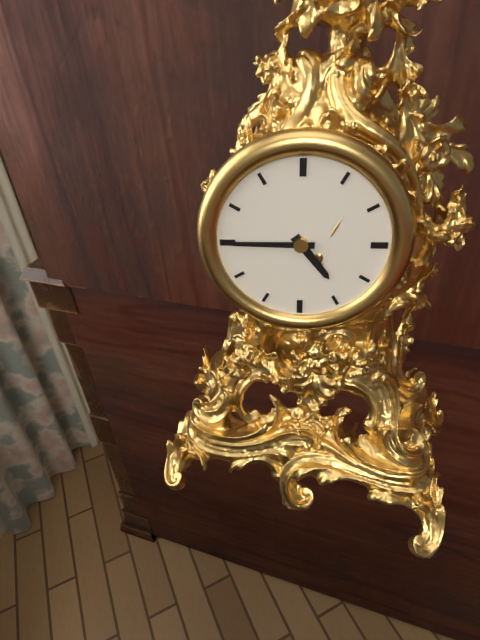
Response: 4:45
